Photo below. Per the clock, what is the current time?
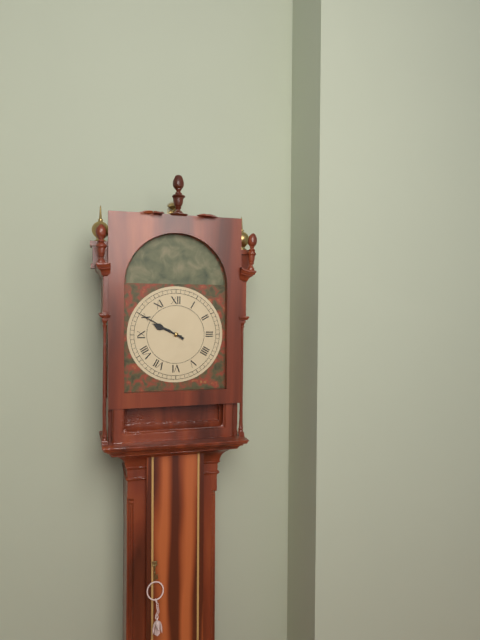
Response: 9:50
